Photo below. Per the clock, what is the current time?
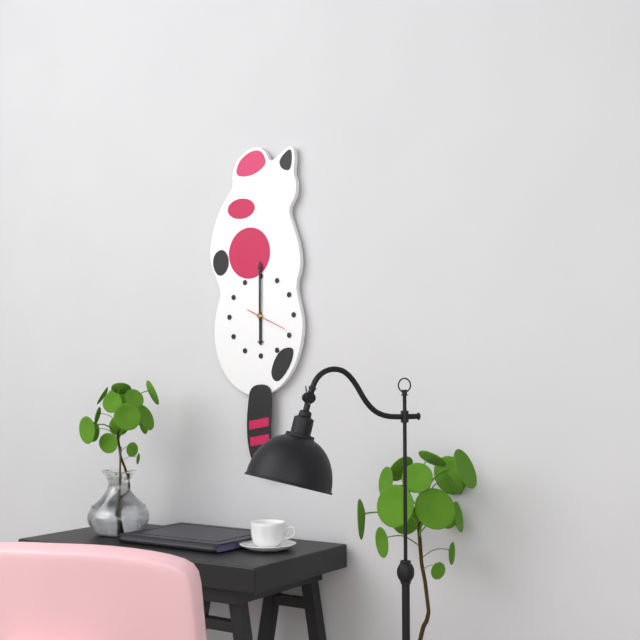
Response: 6:00
